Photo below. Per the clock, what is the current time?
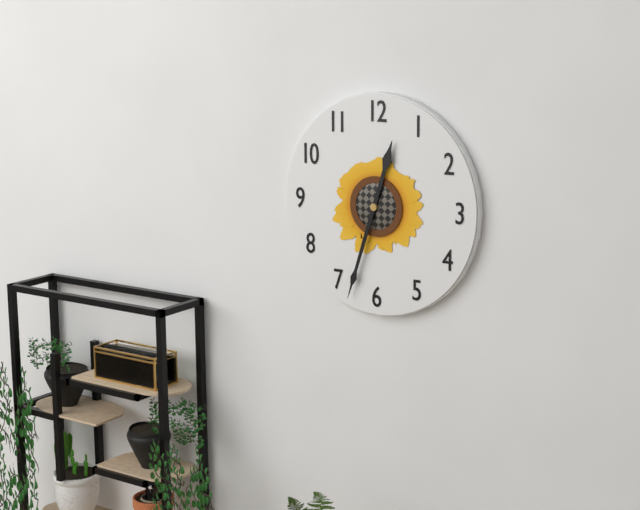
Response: 12:33
